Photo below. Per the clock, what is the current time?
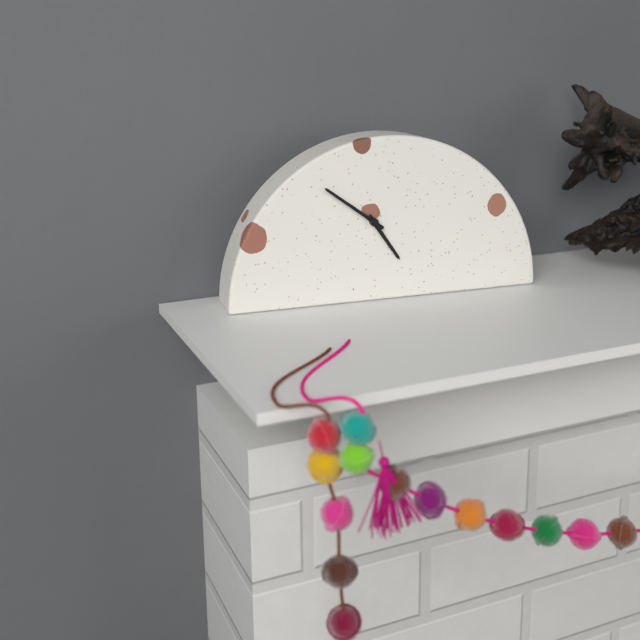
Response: 4:51
